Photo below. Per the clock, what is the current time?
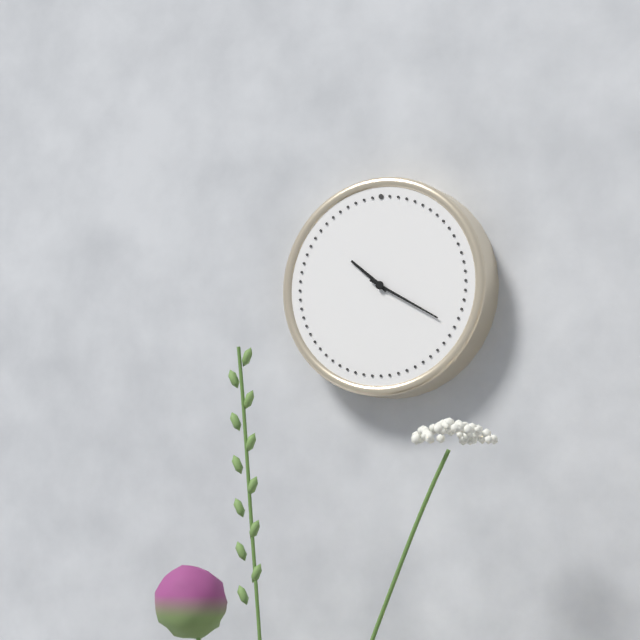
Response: 10:20
